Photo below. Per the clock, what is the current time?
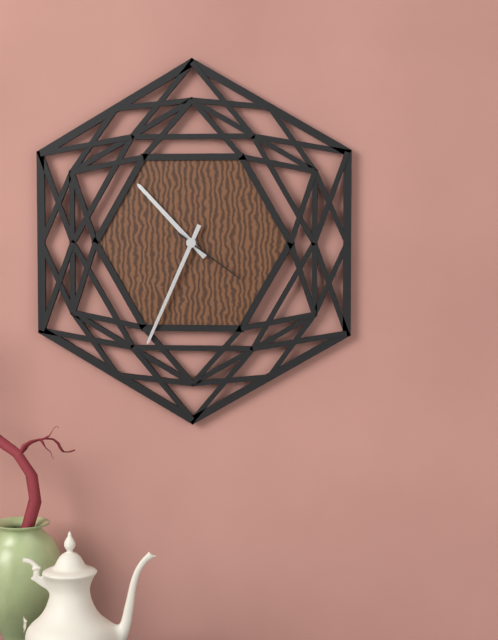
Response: 10:34:21
